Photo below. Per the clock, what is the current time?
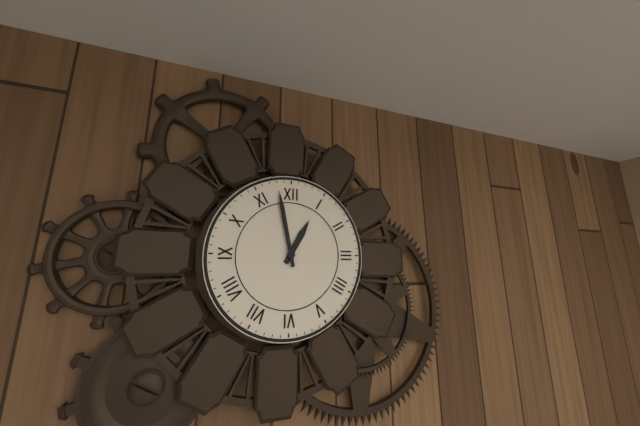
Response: 12:58
